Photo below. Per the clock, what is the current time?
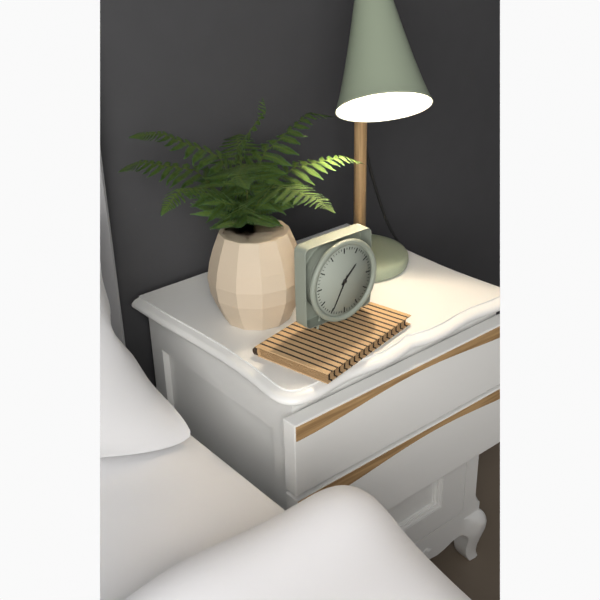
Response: 1:35
